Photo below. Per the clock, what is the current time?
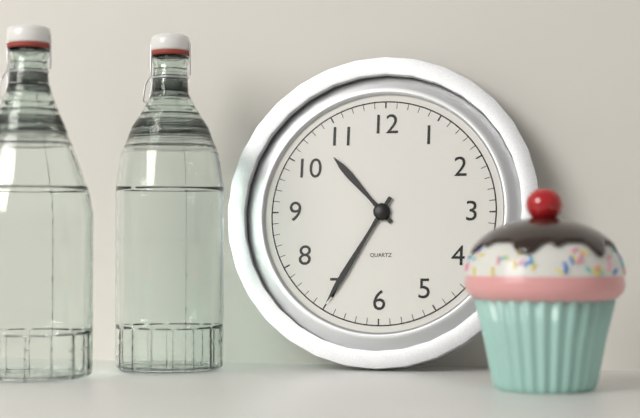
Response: 10:35
